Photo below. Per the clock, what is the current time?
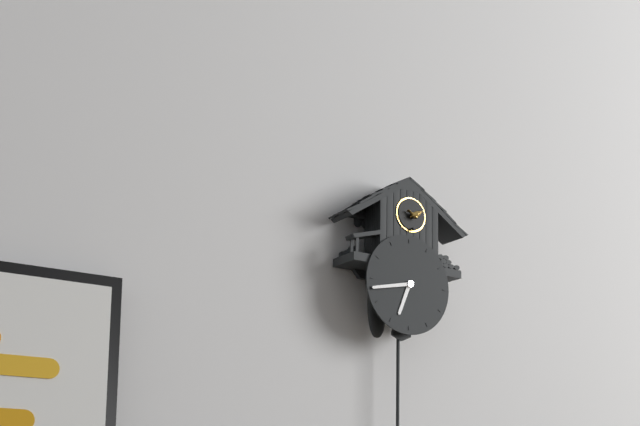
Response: 6:43
